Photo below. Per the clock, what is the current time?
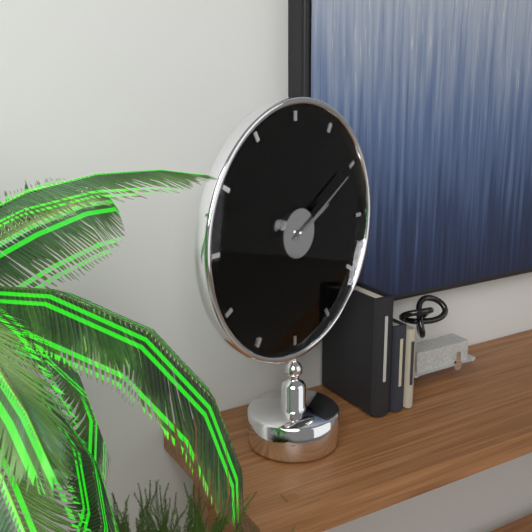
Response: 2:10
